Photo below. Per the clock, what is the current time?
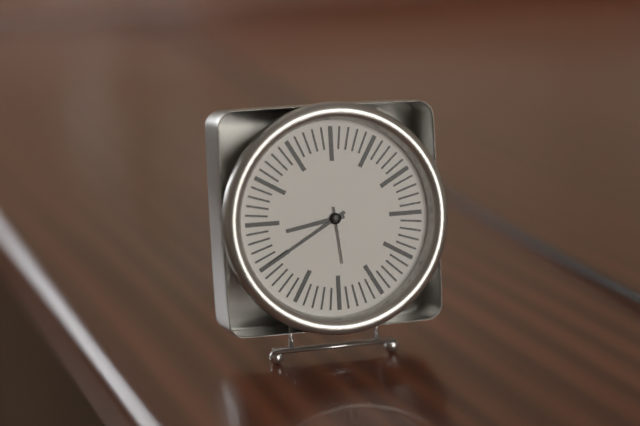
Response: 8:40:29
